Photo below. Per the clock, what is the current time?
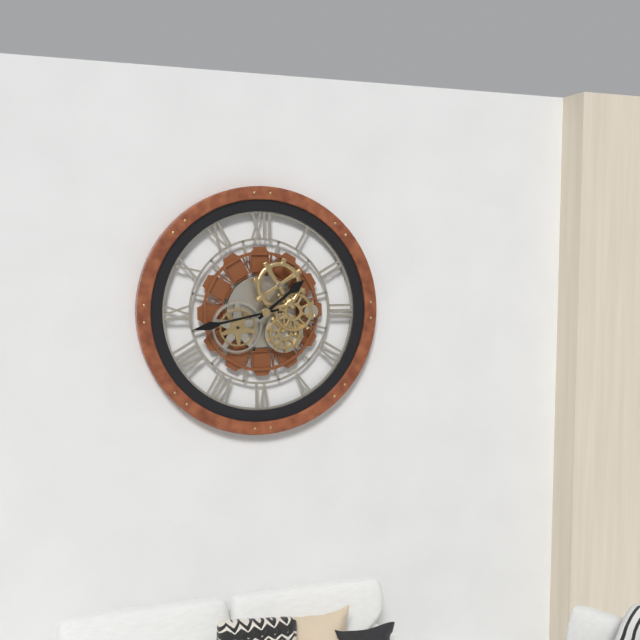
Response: 1:43
